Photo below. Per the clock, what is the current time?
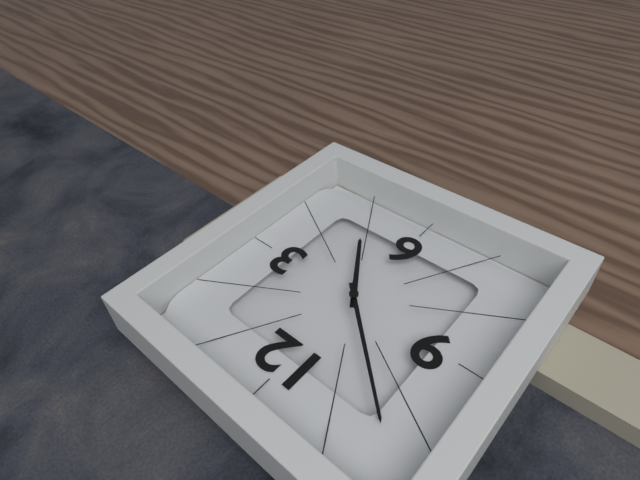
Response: 4:52
